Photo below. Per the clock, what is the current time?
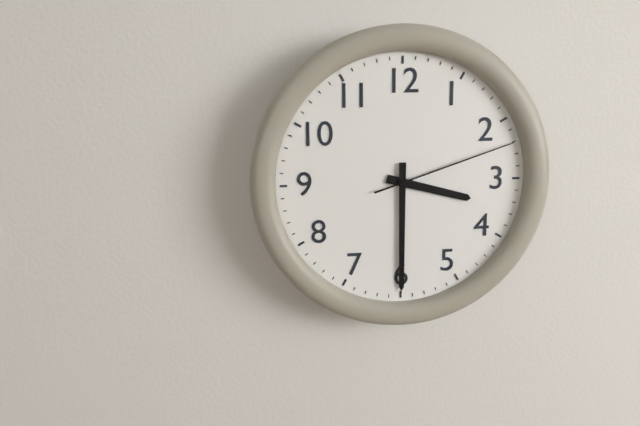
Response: 3:30:12
